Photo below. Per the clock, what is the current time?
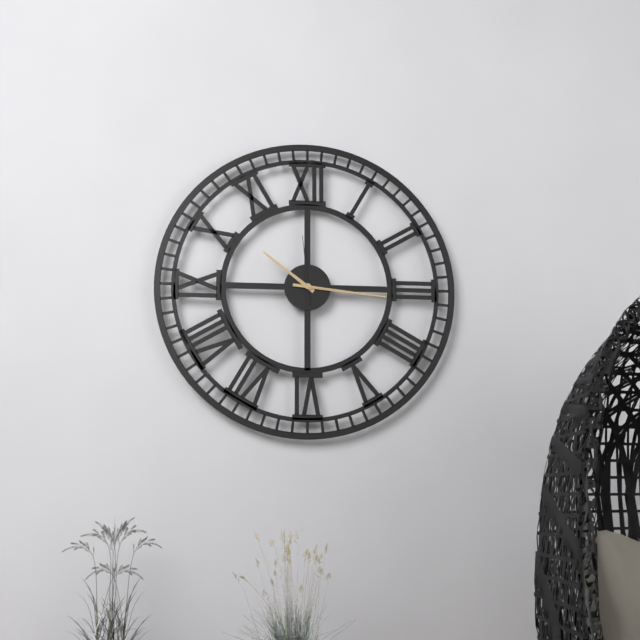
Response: 10:16:59
